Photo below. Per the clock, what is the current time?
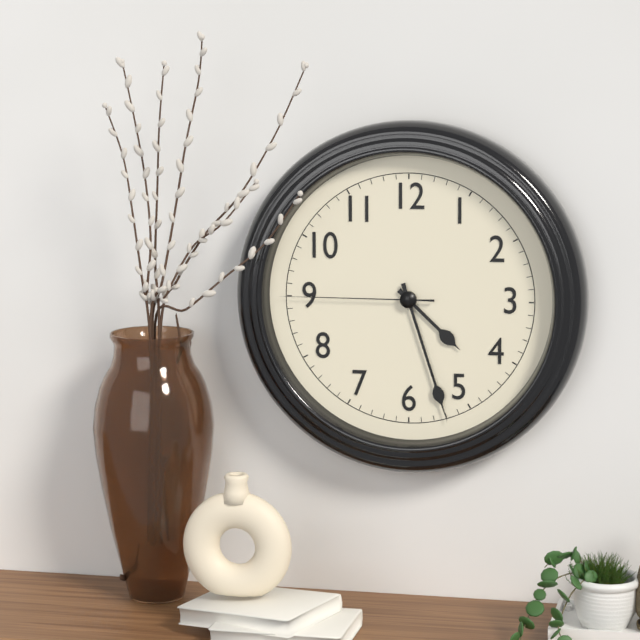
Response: 4:27:45
